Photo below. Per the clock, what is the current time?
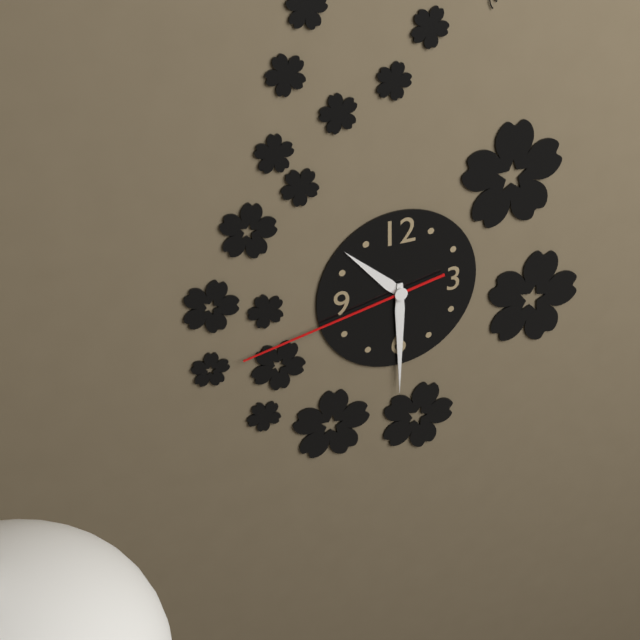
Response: 10:30:43
